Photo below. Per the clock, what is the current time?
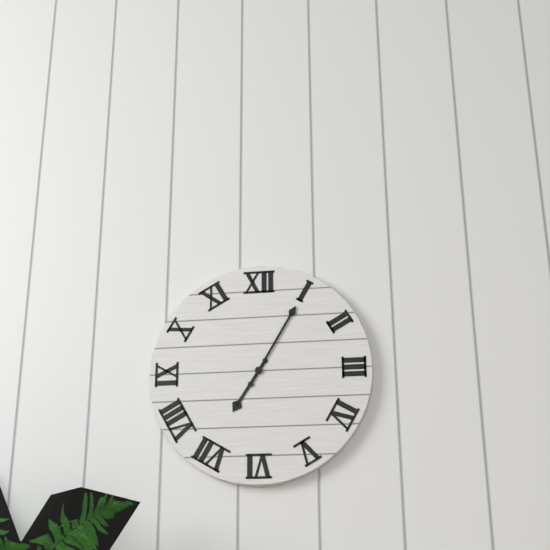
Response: 7:05
